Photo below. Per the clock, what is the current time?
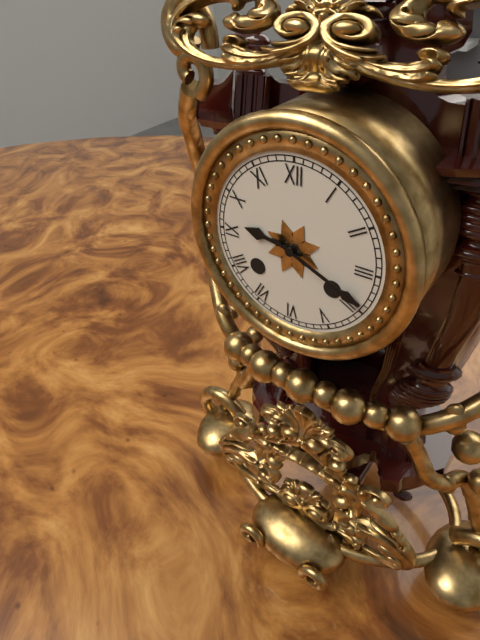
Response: 9:19
